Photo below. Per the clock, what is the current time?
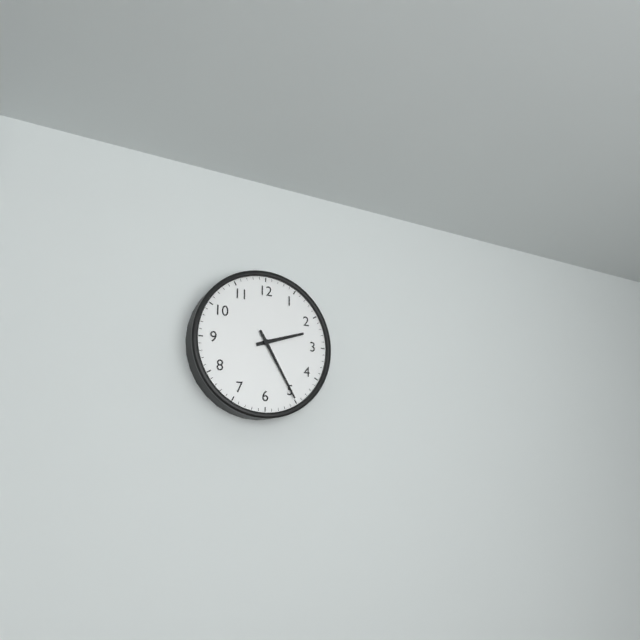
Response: 2:25
